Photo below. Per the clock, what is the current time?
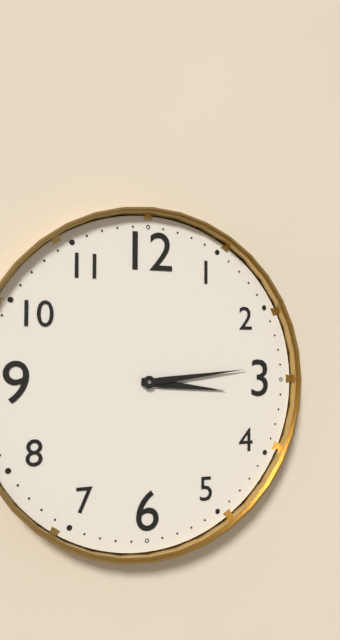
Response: 3:14
